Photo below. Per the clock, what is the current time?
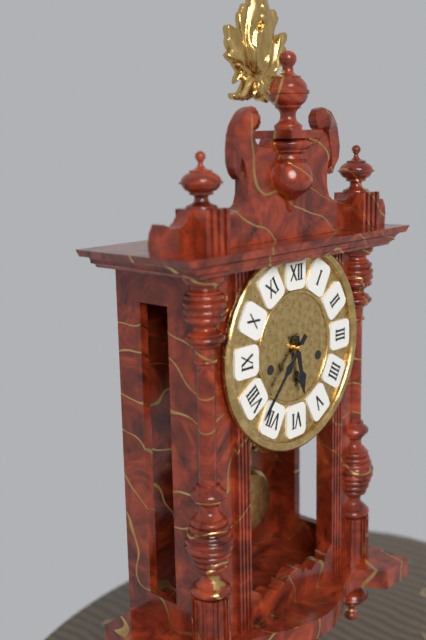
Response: 5:37
